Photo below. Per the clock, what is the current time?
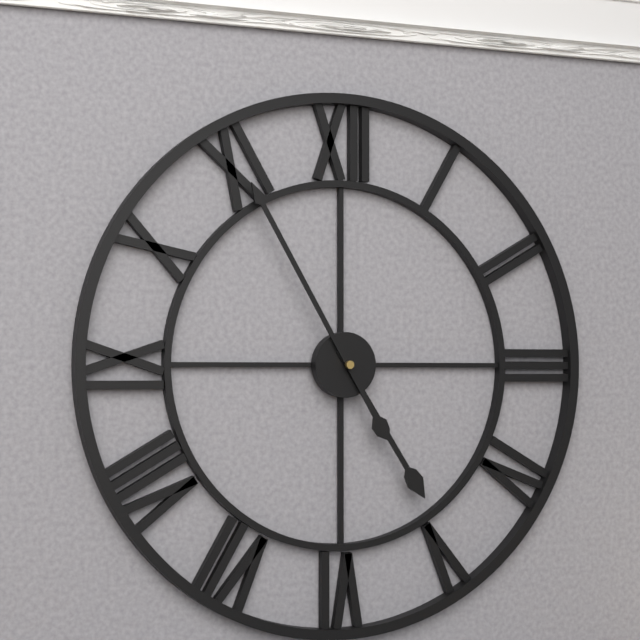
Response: 4:55
